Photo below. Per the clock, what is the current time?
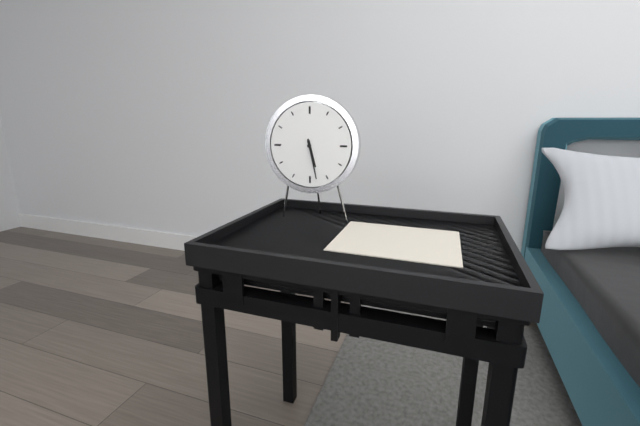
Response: 5:28
